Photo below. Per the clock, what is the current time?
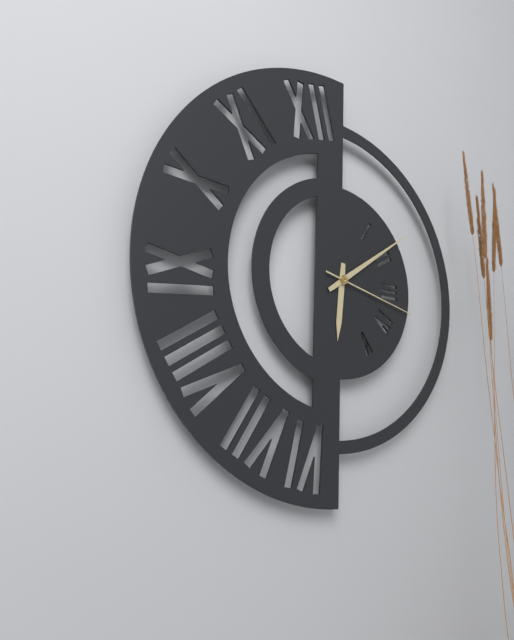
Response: 6:09:17
